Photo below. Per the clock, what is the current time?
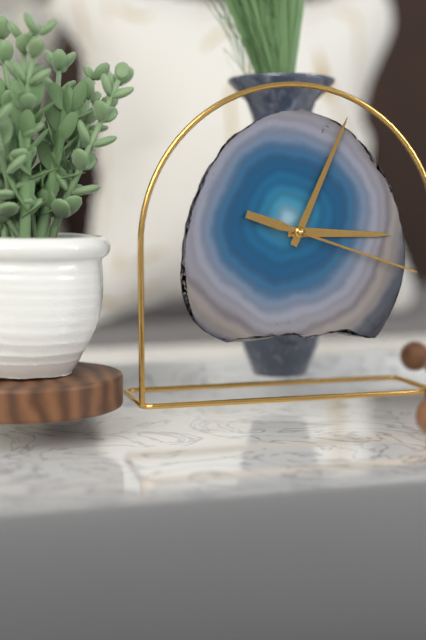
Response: 3:04:18
